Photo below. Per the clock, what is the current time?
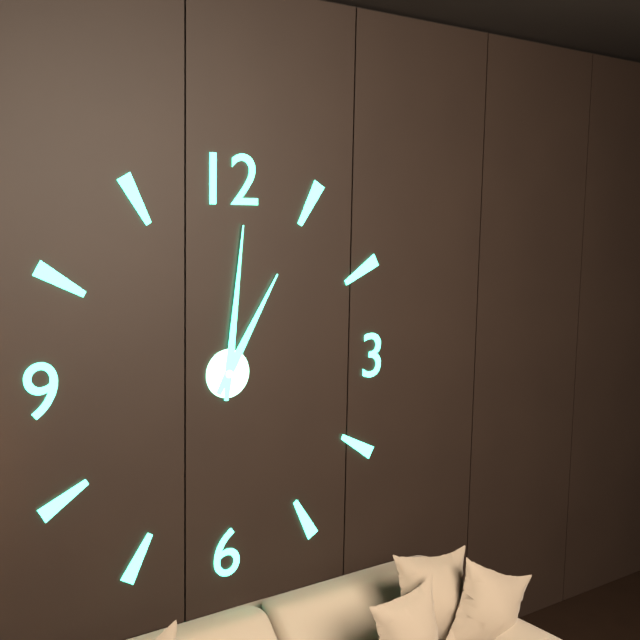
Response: 1:01
